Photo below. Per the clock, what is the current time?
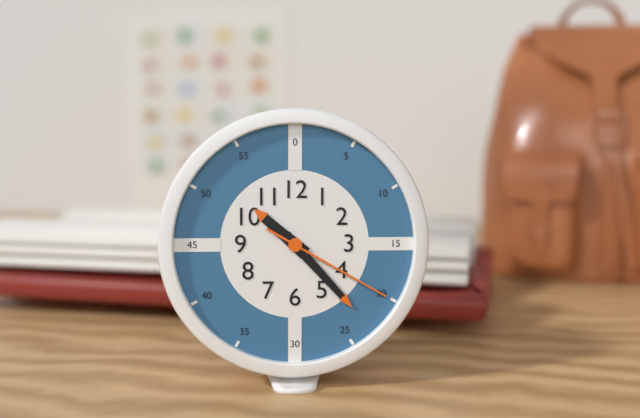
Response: 10:23:20
